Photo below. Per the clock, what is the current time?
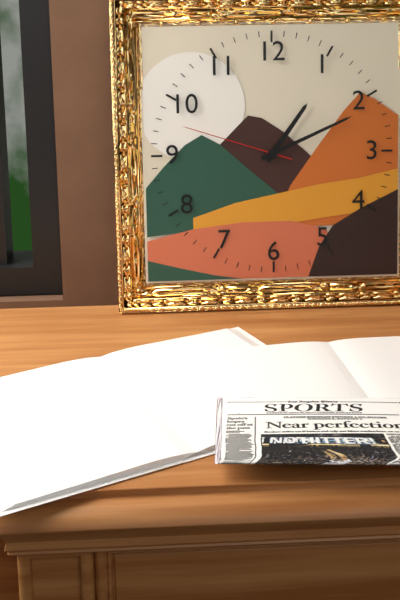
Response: 1:11:48
